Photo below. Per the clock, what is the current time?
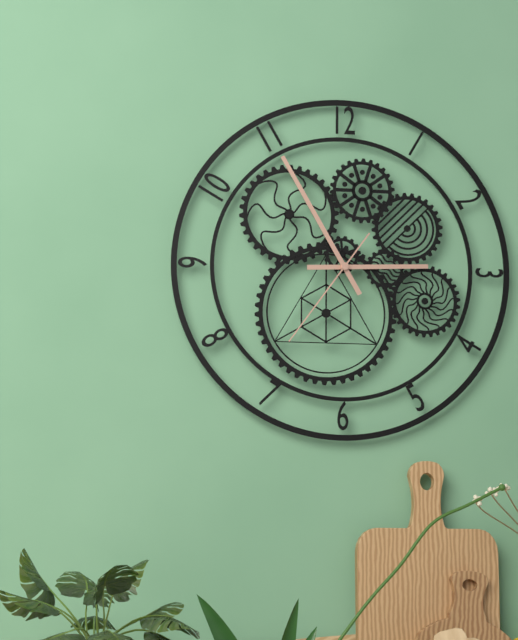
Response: 2:55:36
